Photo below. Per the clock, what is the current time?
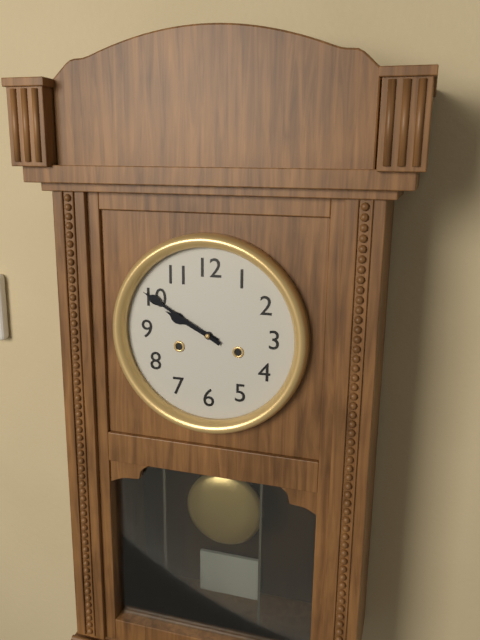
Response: 9:50
